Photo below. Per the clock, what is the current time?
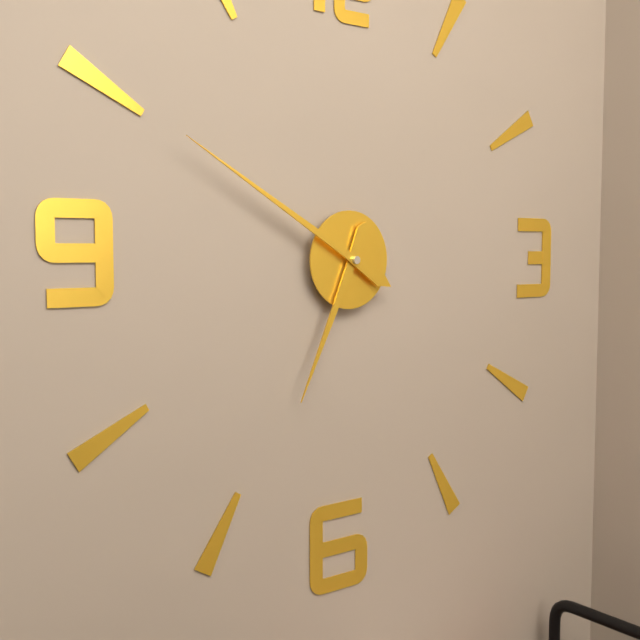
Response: 6:50
